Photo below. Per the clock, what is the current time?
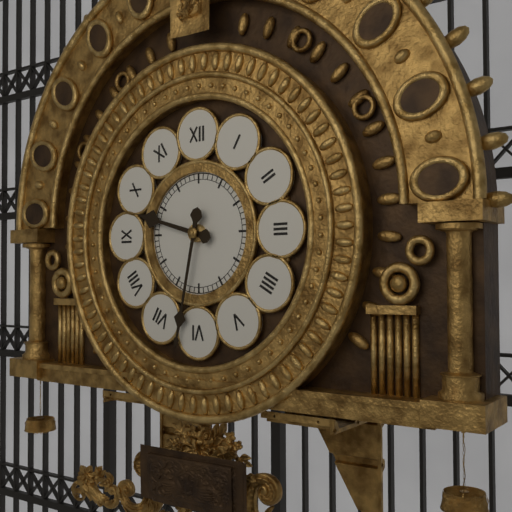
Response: 9:32
